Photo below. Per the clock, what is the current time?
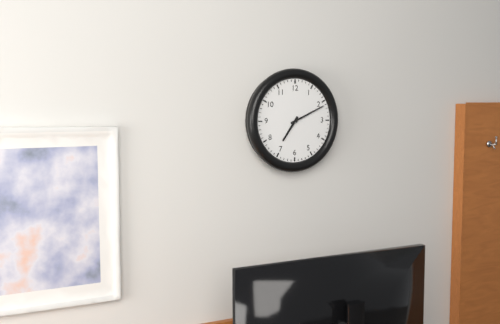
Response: 7:11
